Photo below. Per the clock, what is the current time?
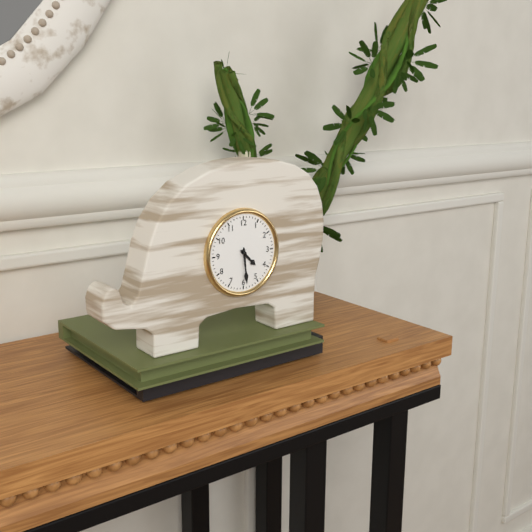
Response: 4:29
